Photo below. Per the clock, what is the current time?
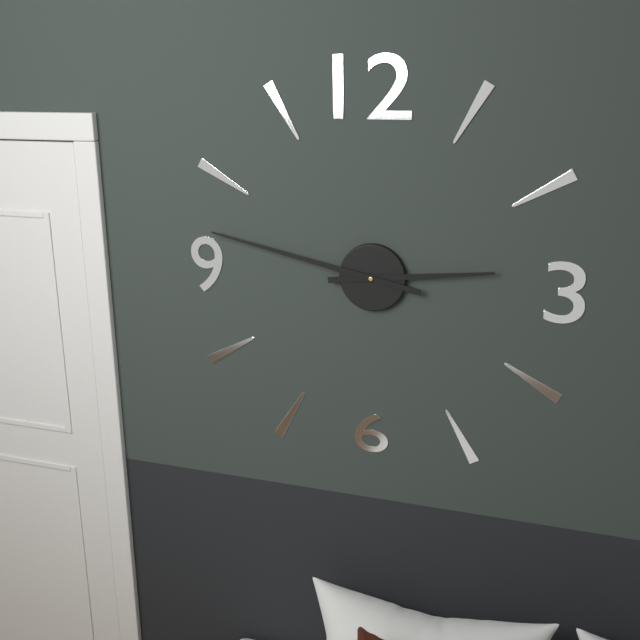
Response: 2:47
